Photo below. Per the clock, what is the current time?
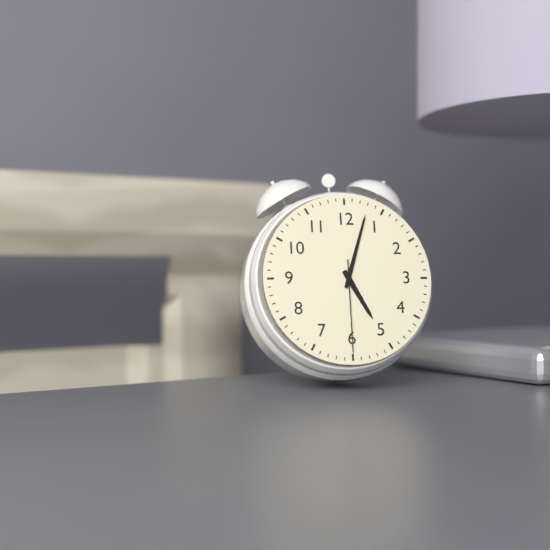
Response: 5:03:30
